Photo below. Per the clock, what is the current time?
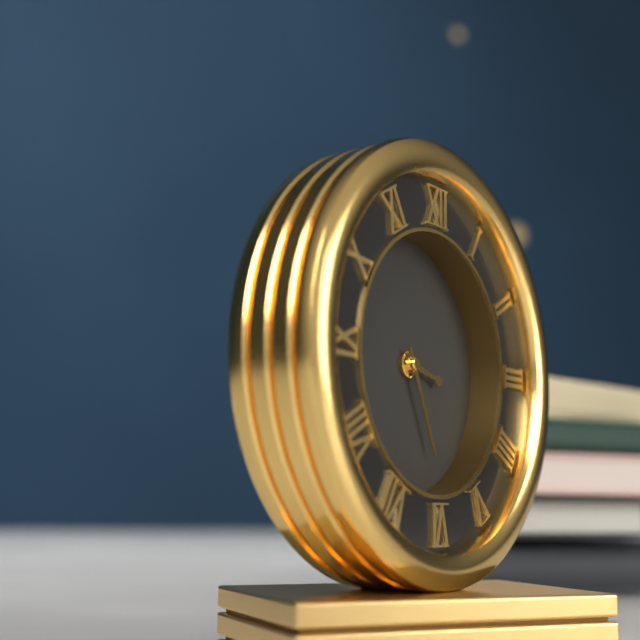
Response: 3:26
